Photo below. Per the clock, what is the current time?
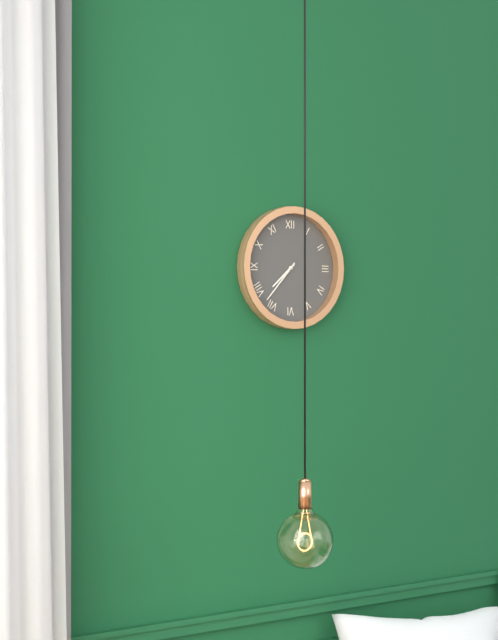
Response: 7:37
